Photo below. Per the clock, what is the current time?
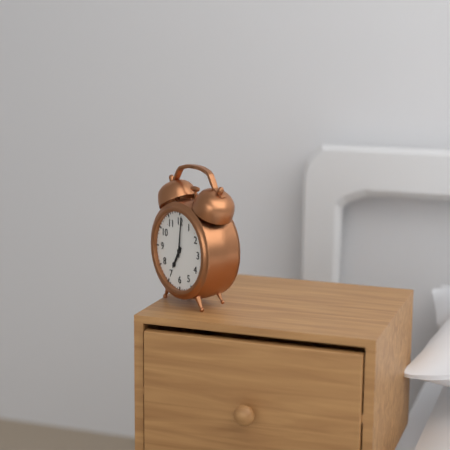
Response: 7:01
